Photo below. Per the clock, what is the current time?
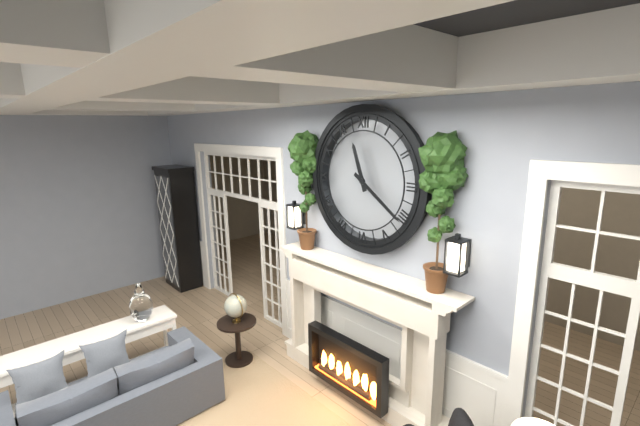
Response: 11:21
